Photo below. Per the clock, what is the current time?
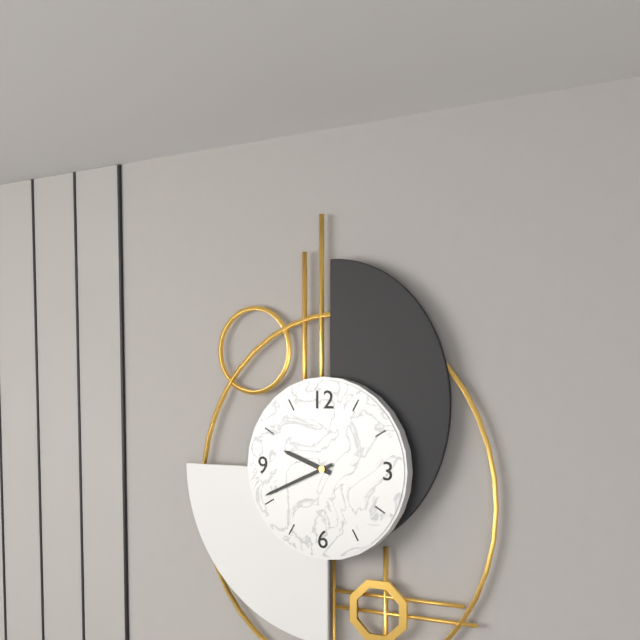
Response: 9:41
